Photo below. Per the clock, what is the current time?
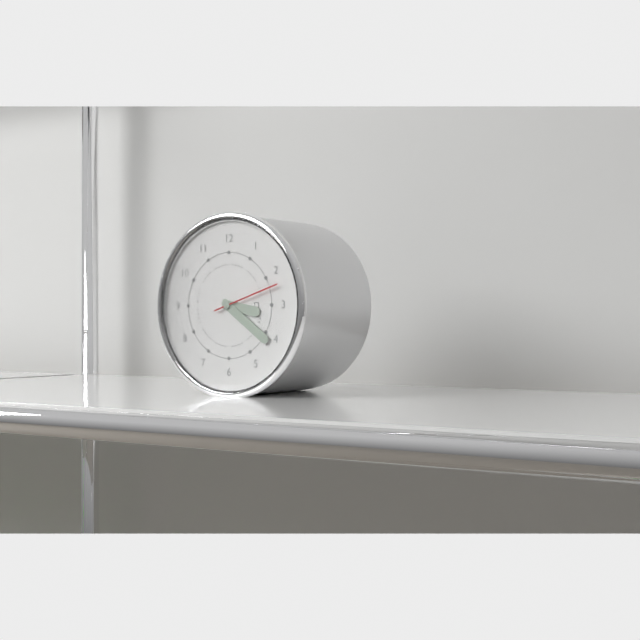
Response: 3:21:12
